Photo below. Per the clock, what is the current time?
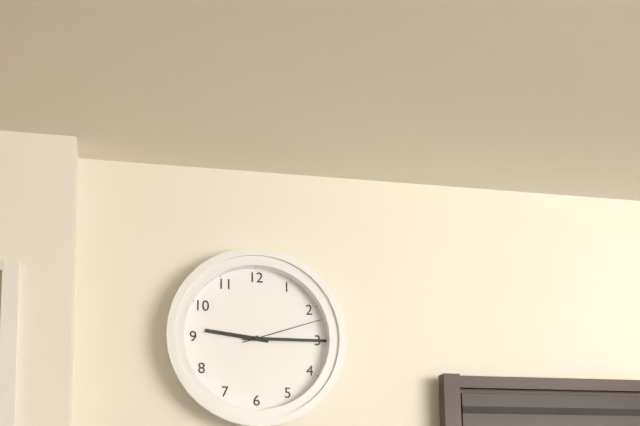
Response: 9:15:12
